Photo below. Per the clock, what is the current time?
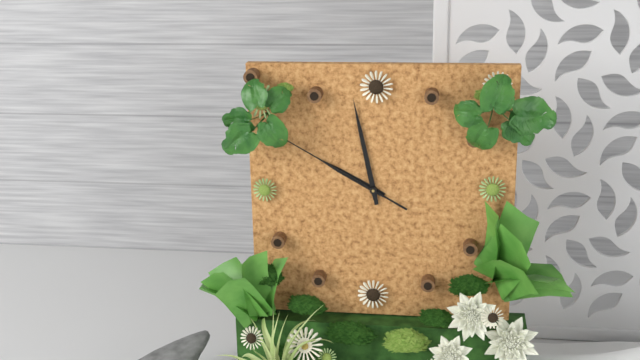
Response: 9:58:50
